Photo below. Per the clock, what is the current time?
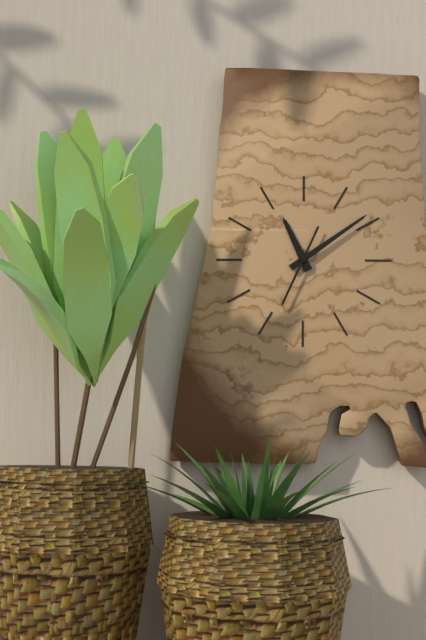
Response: 11:09:34
